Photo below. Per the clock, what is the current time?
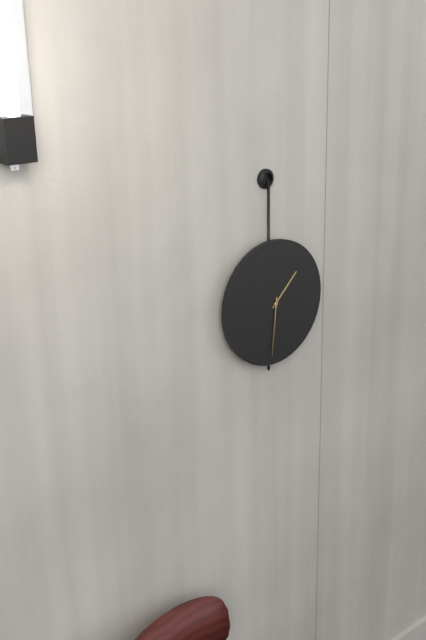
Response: 1:31
